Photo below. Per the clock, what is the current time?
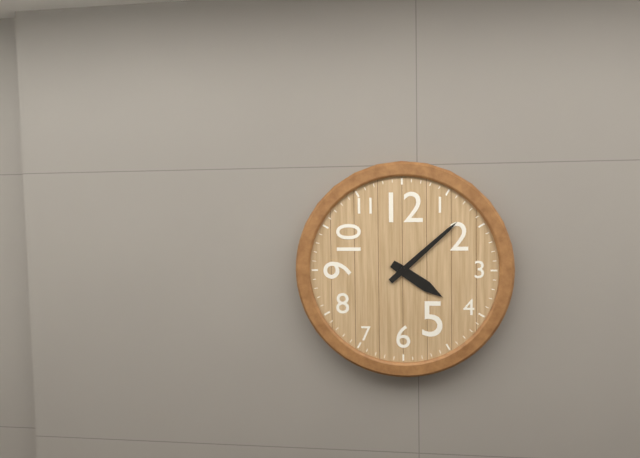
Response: 4:08
